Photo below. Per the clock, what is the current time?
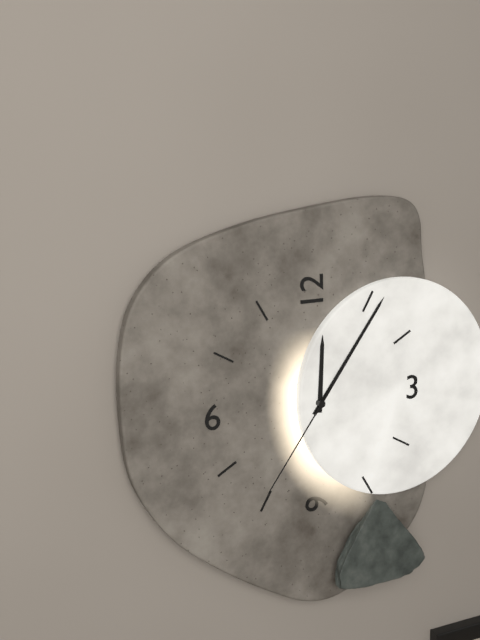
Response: 12:06:36
